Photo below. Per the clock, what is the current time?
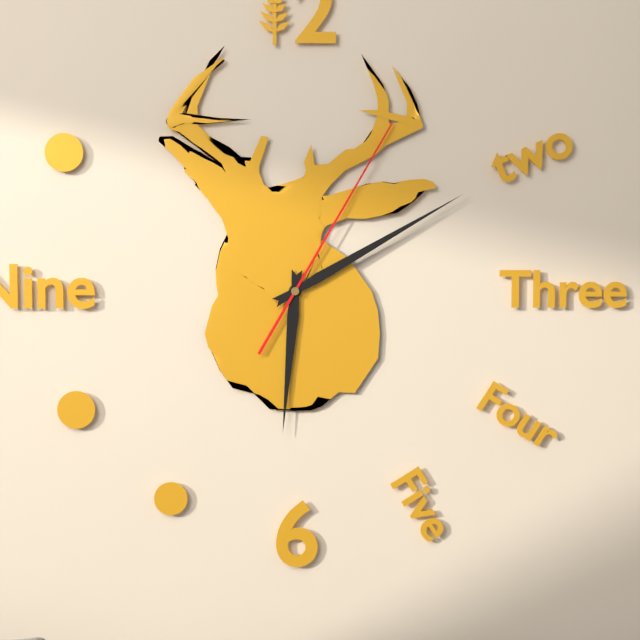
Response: 6:10:05
